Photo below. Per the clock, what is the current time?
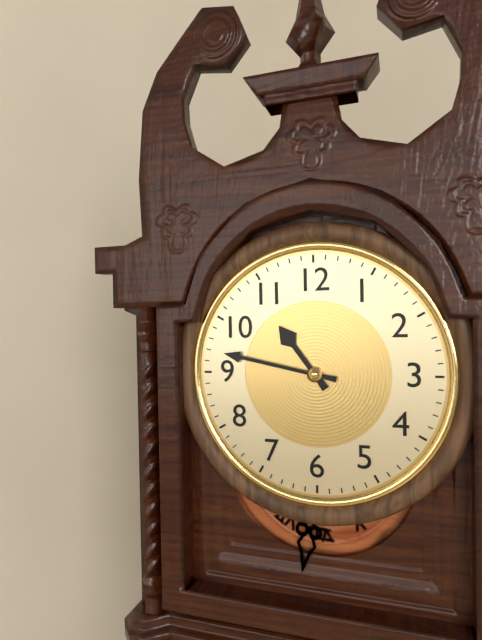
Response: 10:47
